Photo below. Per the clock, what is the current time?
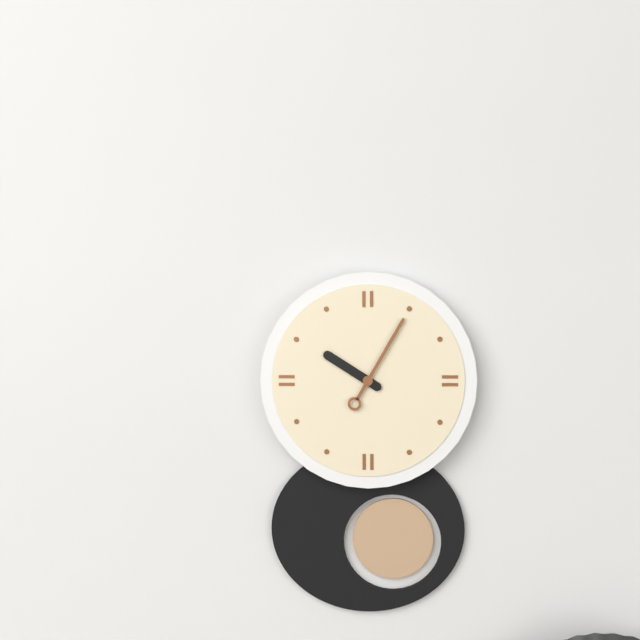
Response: 10:05
